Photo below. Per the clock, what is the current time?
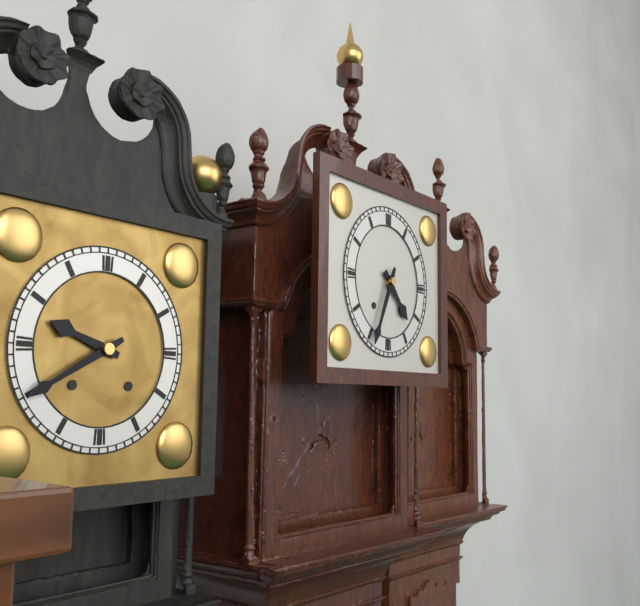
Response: 4:34
